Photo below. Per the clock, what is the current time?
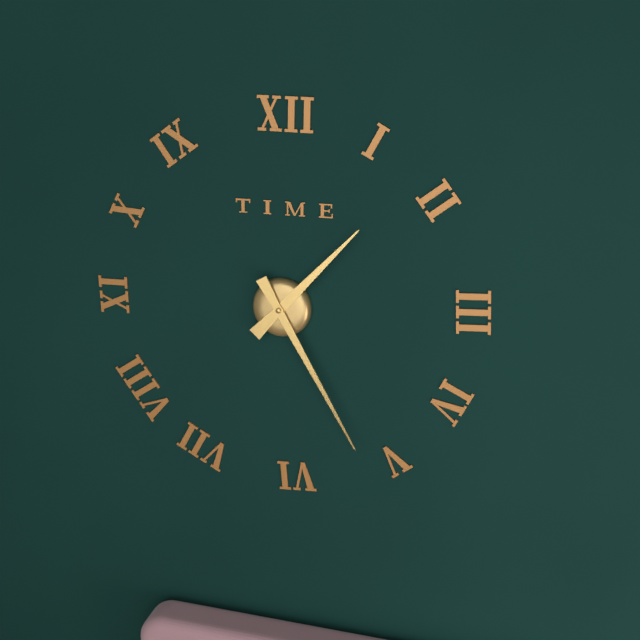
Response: 1:25
